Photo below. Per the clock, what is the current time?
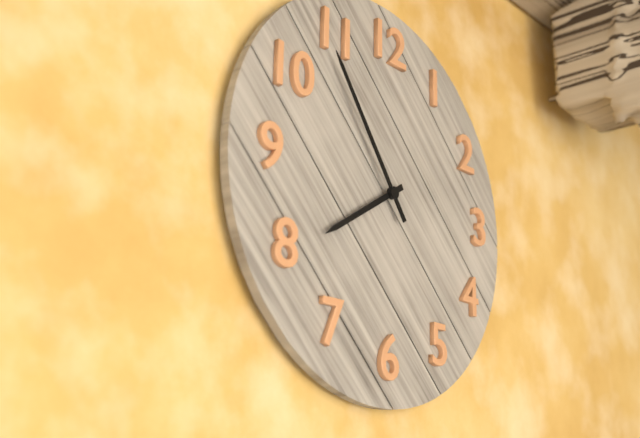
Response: 7:54
